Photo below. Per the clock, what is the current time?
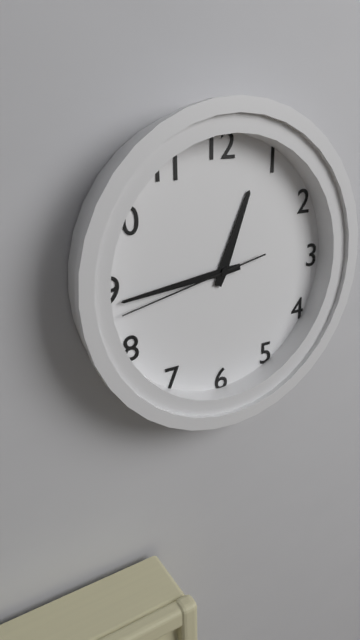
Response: 12:44:43
